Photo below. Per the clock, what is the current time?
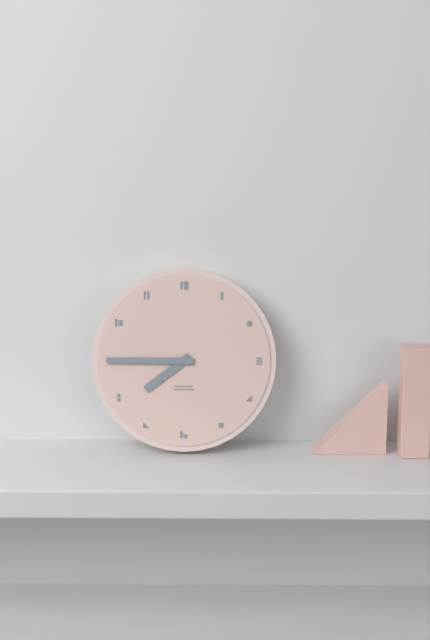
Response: 7:45
